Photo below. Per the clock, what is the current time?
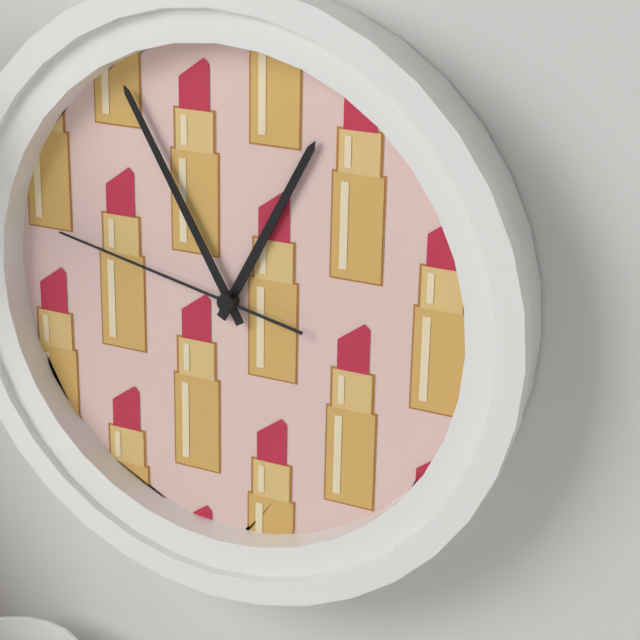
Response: 12:55:47
